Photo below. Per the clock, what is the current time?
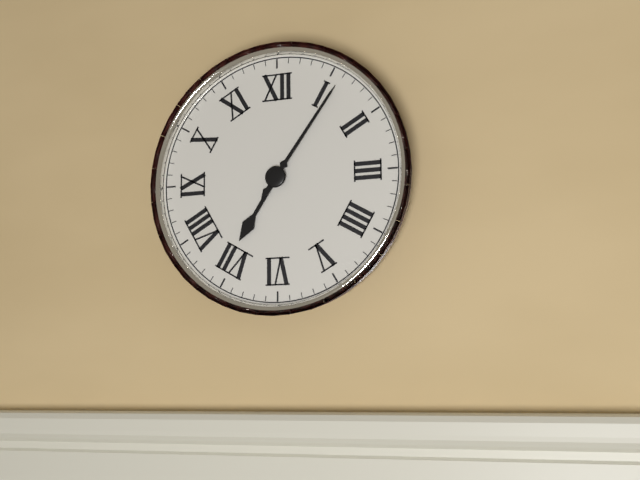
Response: 7:06
